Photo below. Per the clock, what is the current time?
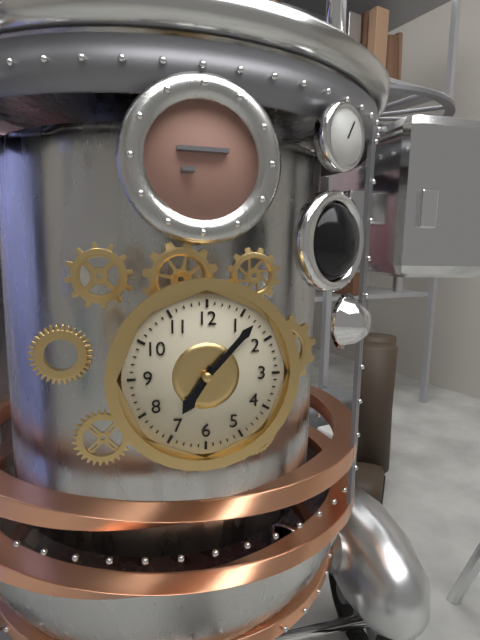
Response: 7:07
